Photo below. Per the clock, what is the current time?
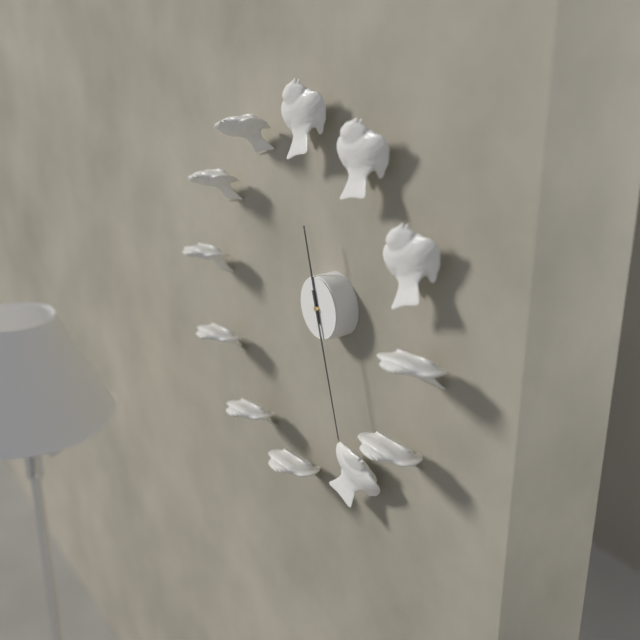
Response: 11:27
